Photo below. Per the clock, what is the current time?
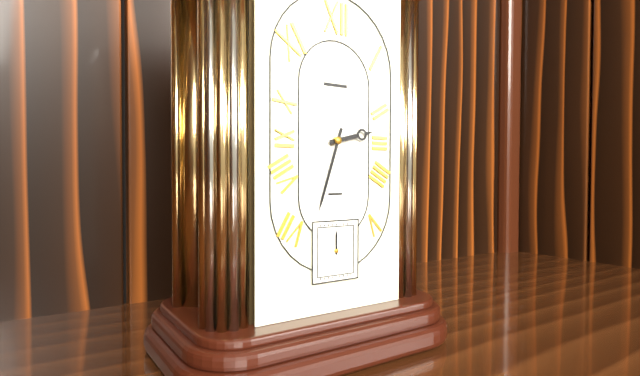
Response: 2:33
